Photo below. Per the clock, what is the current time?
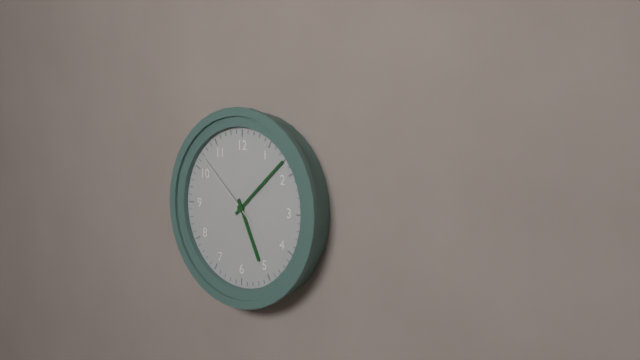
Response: 5:08:52
